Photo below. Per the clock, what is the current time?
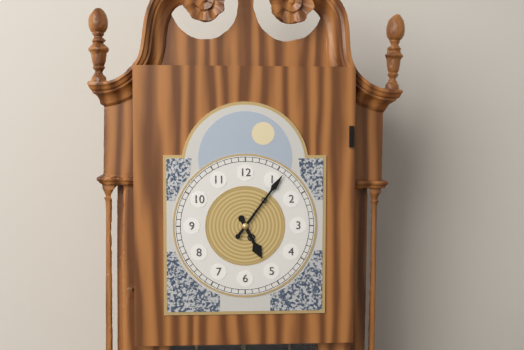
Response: 5:06
